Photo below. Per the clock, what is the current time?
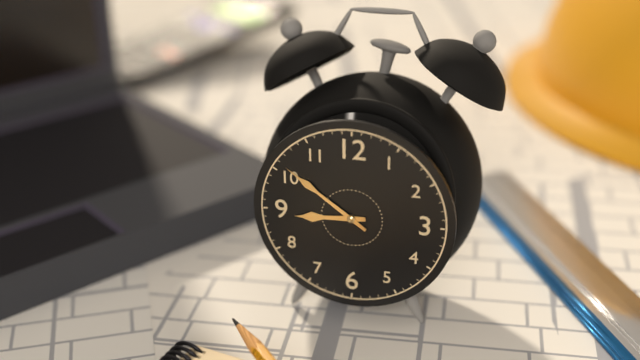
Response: 8:51
